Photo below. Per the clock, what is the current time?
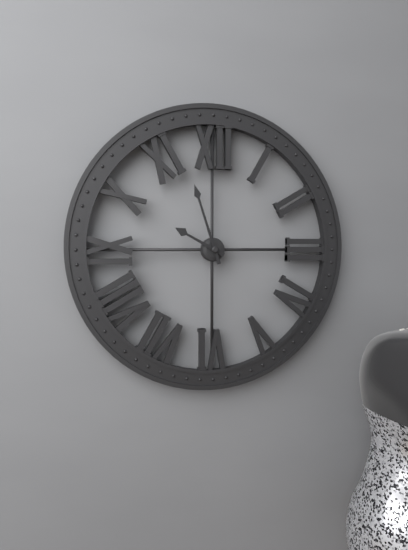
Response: 9:57
